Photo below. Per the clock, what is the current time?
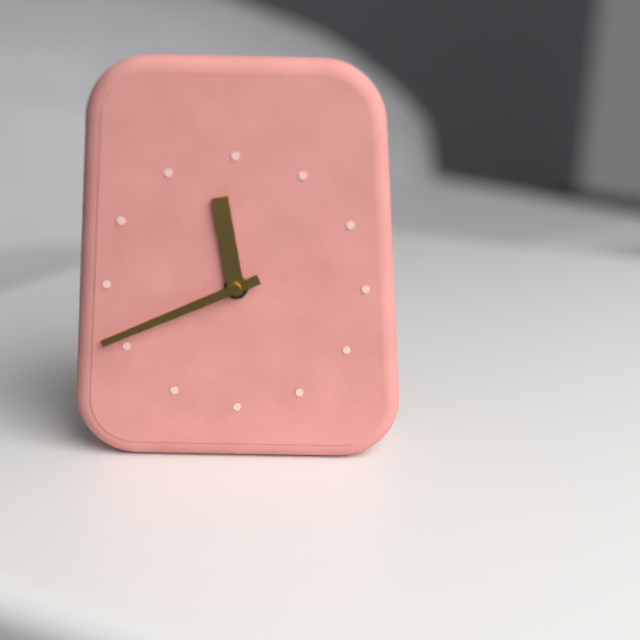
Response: 11:41
